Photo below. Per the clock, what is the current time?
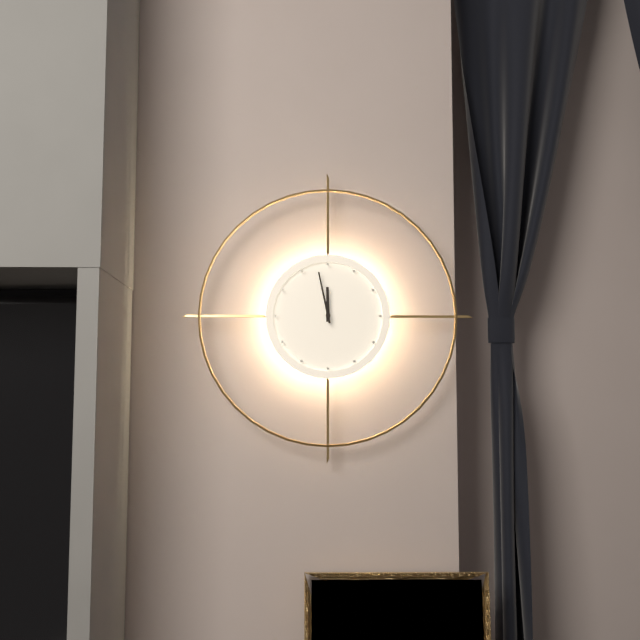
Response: 11:58
